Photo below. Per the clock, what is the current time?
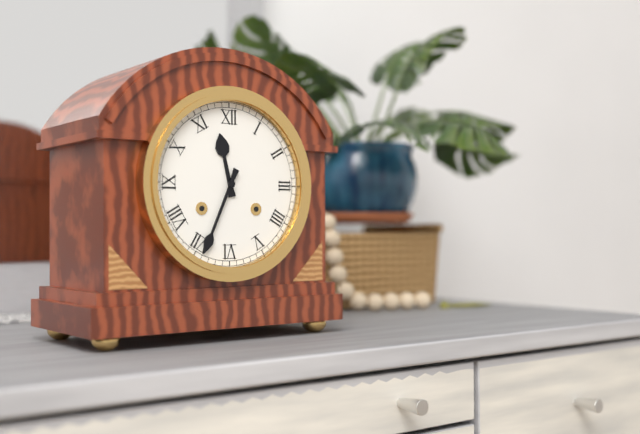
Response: 11:34
